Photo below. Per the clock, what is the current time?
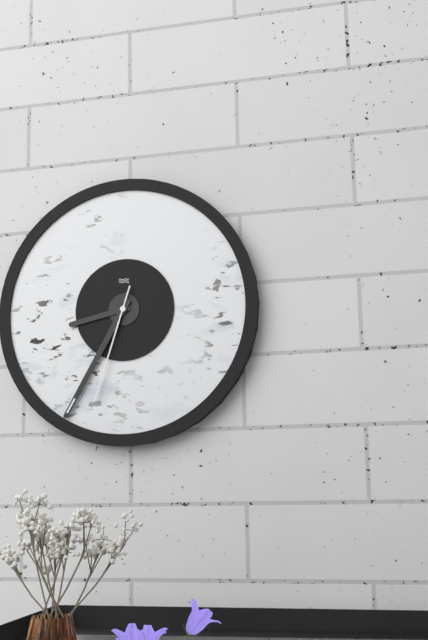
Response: 8:35:33
